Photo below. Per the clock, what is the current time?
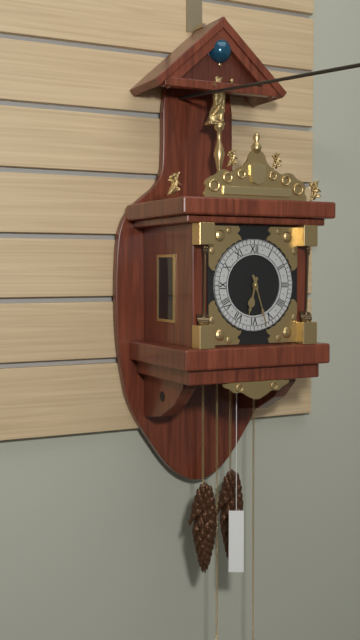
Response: 6:27
